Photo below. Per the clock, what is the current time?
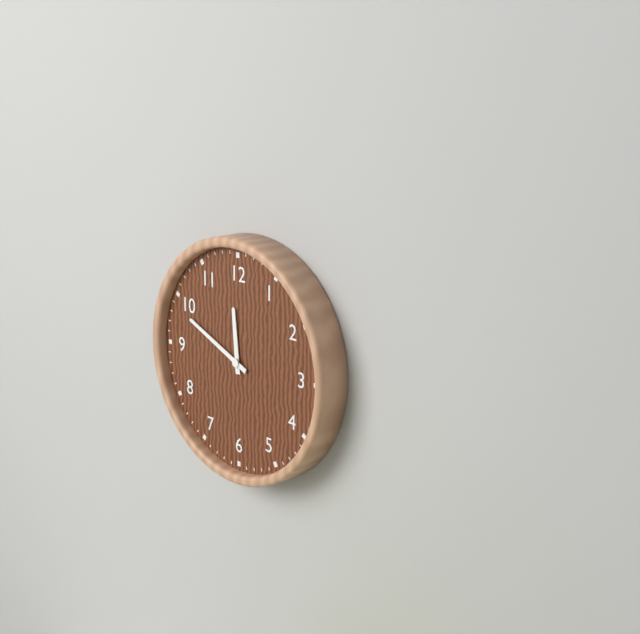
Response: 11:49
